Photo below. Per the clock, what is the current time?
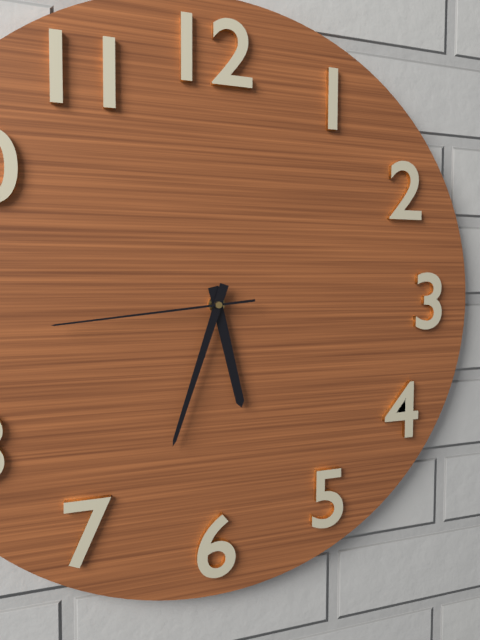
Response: 5:33:44
